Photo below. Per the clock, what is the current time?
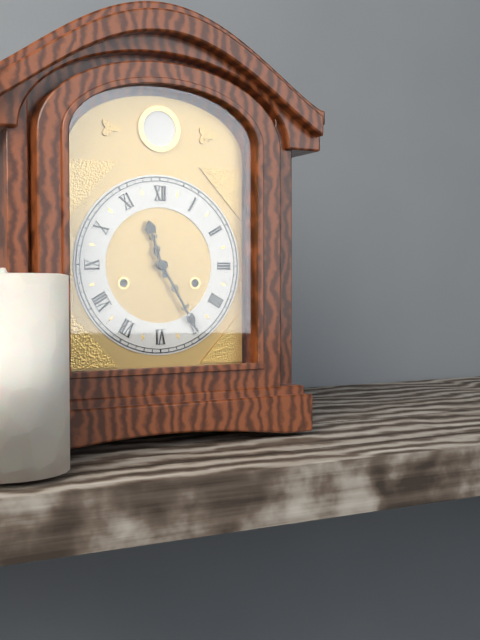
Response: 11:25
